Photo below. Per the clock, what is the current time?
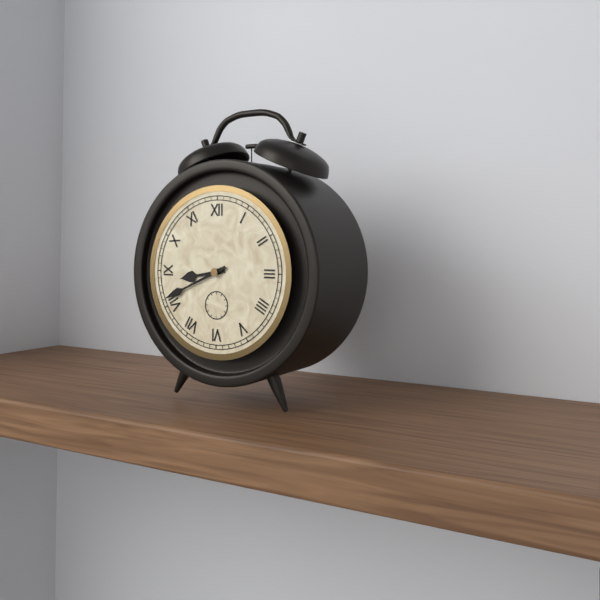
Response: 8:41
